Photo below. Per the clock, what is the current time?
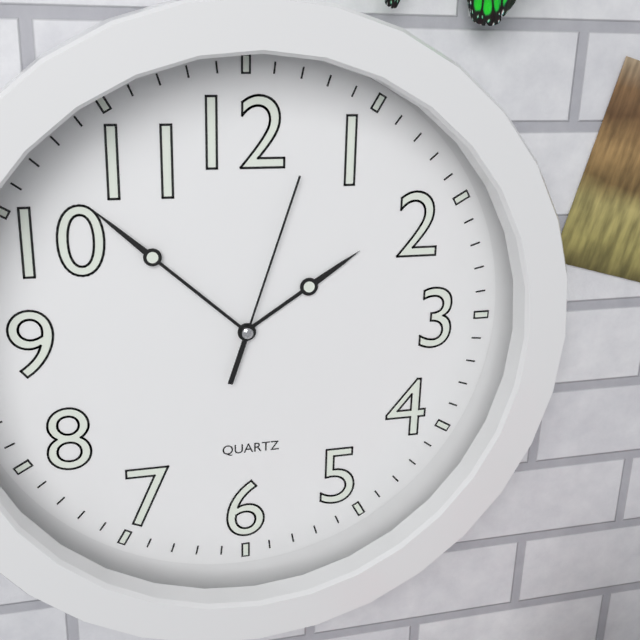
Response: 1:52:03
